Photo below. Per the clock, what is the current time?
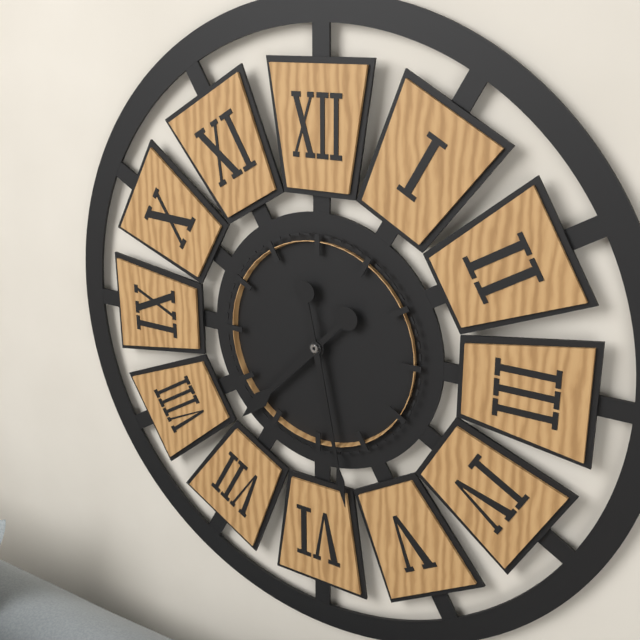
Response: 7:28
